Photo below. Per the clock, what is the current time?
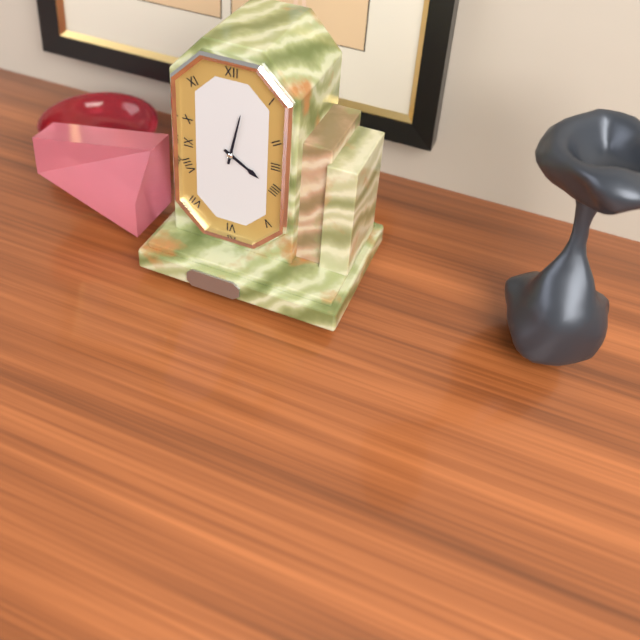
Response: 4:02
